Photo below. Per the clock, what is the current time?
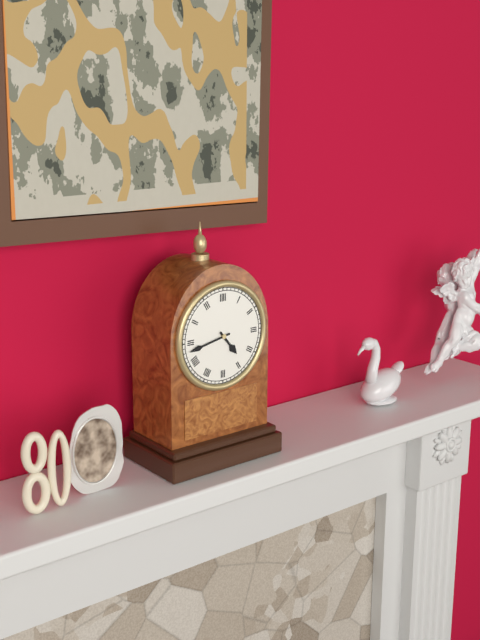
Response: 4:43
